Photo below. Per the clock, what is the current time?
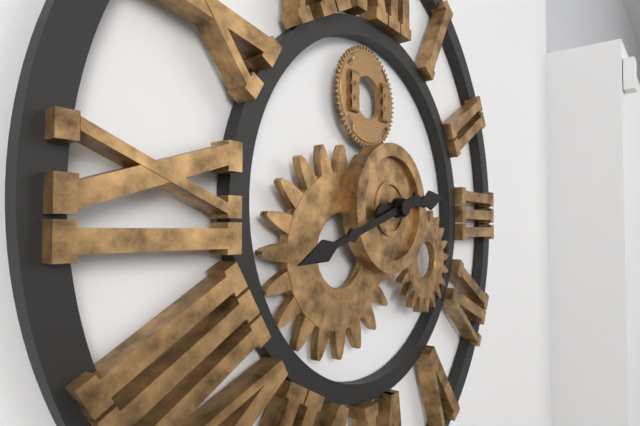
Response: 2:42
